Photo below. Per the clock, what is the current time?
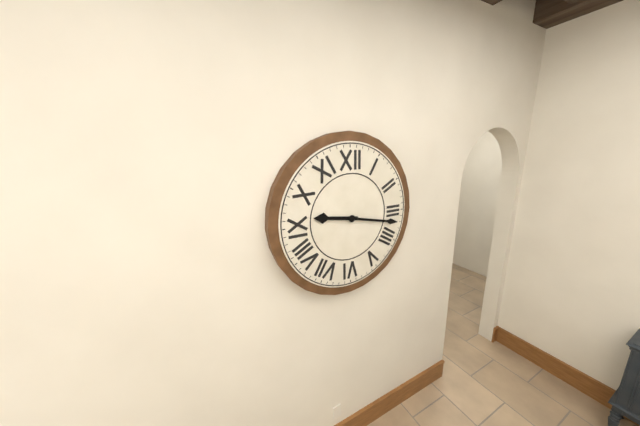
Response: 9:17
